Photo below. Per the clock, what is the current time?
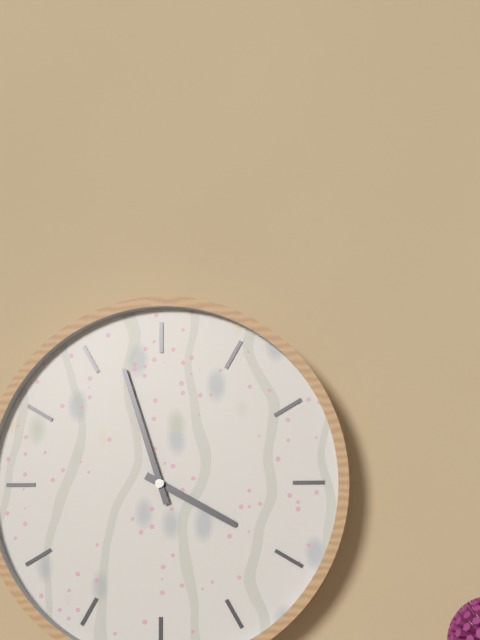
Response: 3:57
